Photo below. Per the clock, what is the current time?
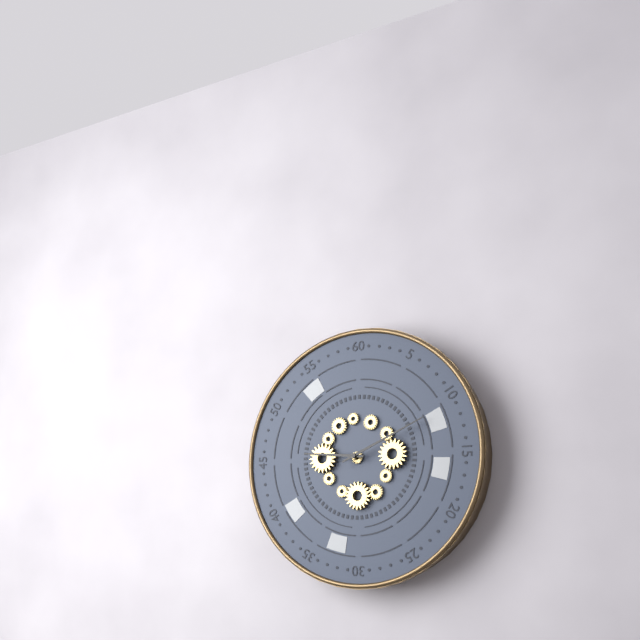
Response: 9:11
